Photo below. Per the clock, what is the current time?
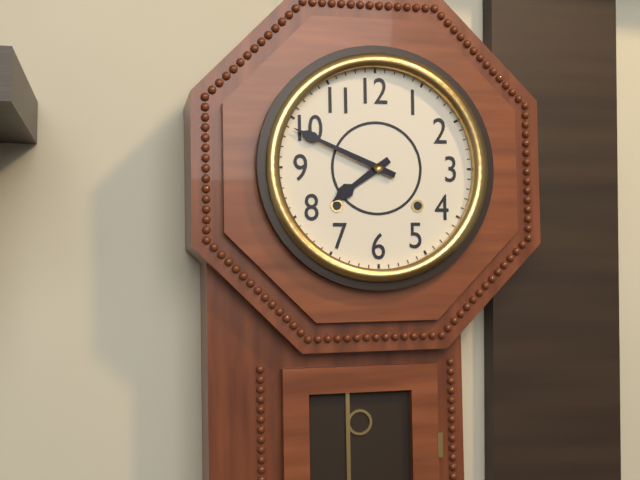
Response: 7:49
